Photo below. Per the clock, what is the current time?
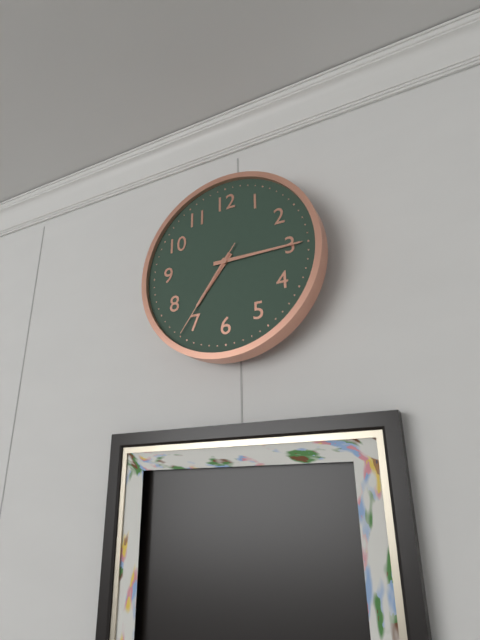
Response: 7:15:36
